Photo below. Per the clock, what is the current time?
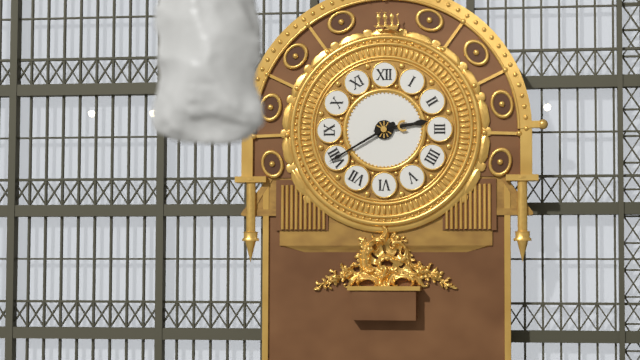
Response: 2:40
